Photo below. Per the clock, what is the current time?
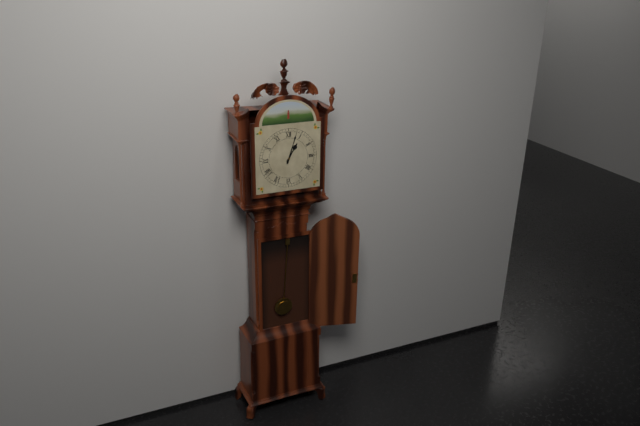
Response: 1:03
